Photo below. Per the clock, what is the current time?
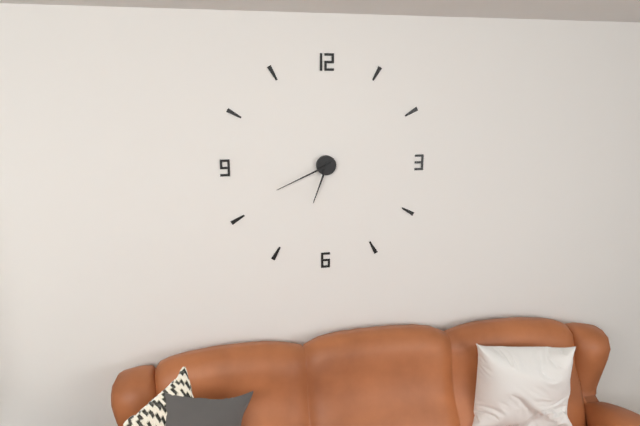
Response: 6:41
